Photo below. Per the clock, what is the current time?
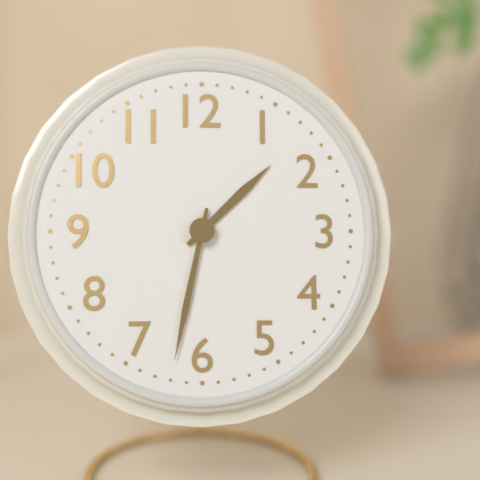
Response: 1:32
